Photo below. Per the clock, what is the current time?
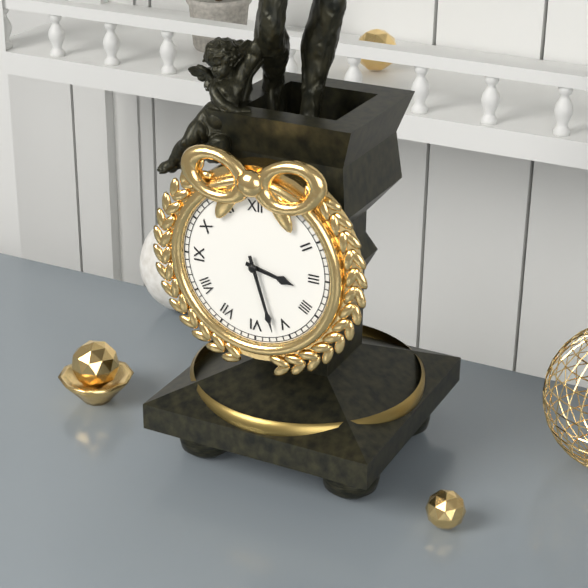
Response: 3:27
